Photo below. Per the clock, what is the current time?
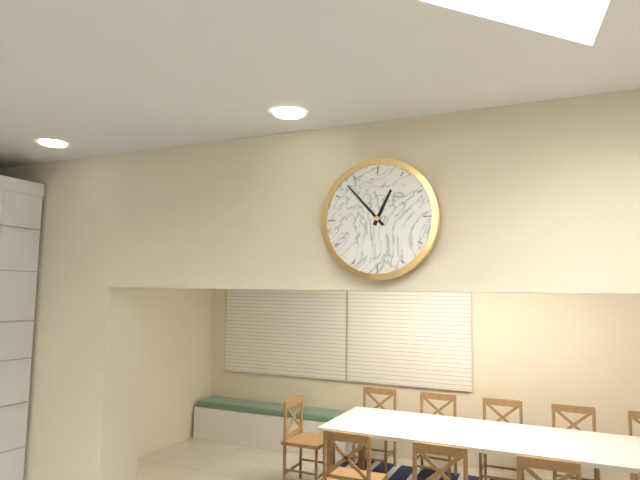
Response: 12:53
